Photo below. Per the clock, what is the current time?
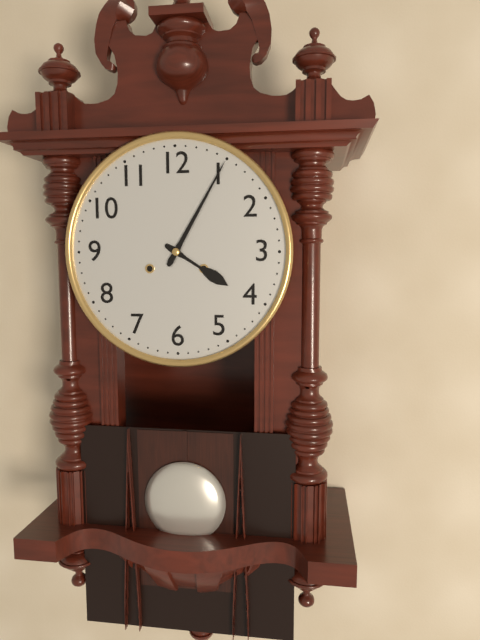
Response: 4:05
